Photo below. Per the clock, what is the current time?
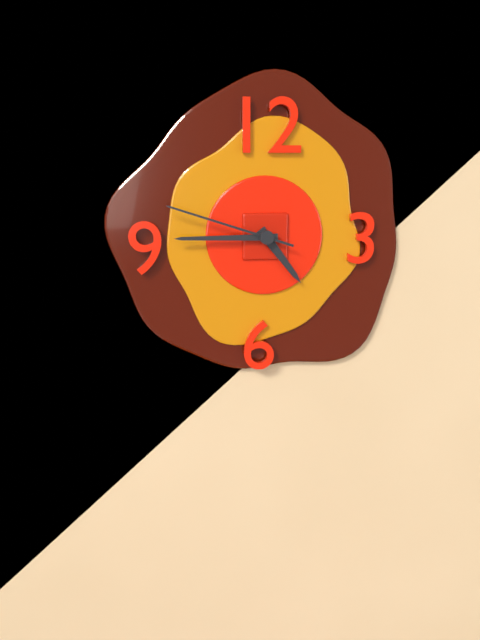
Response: 4:45:48
